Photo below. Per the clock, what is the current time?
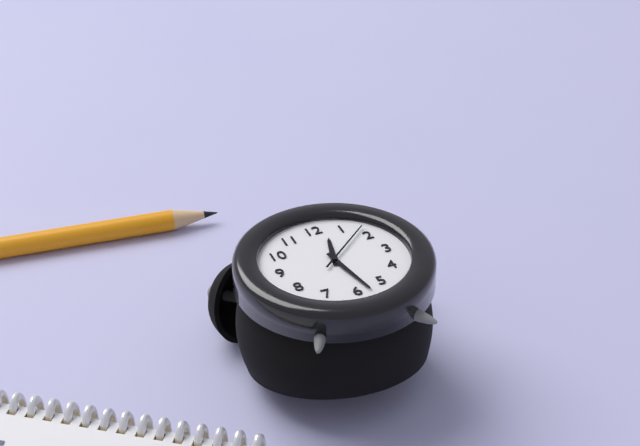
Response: 12:28:08
